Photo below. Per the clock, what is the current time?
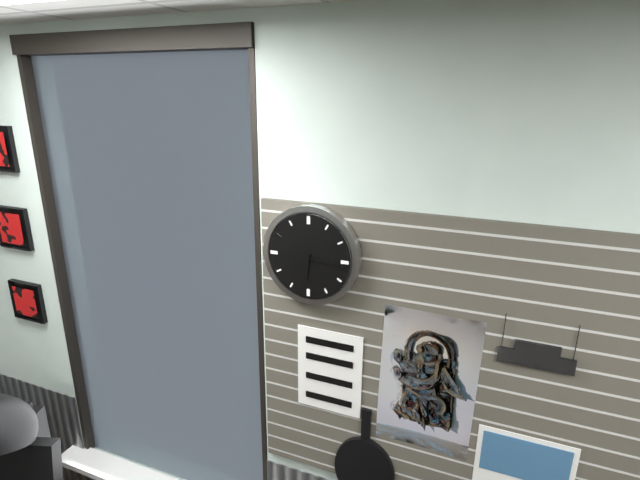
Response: 6:16
